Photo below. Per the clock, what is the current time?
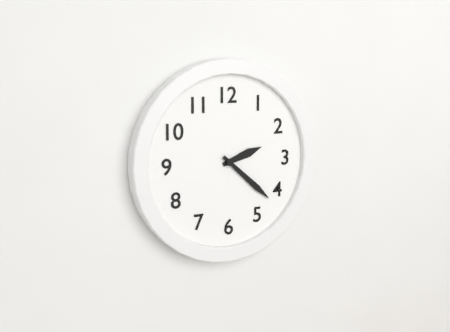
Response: 2:22
